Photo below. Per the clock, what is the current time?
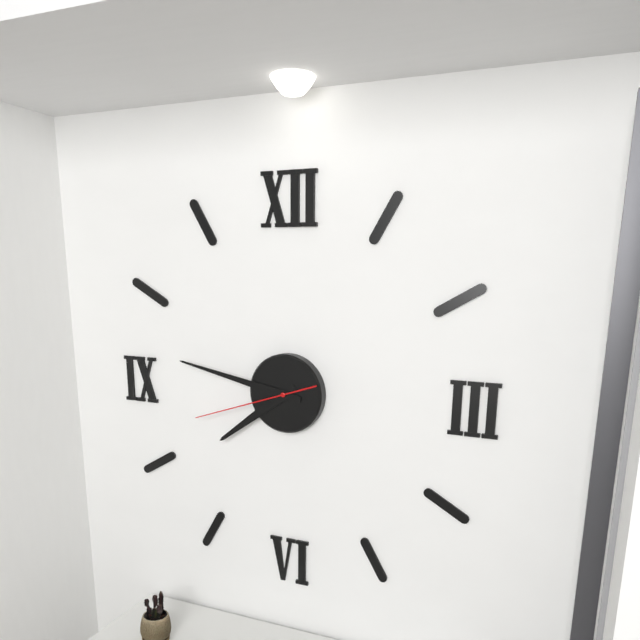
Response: 7:47:42
